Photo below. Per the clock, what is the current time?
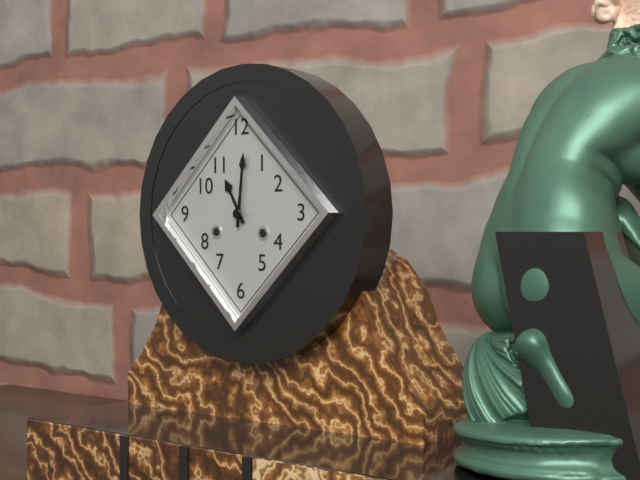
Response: 11:01
